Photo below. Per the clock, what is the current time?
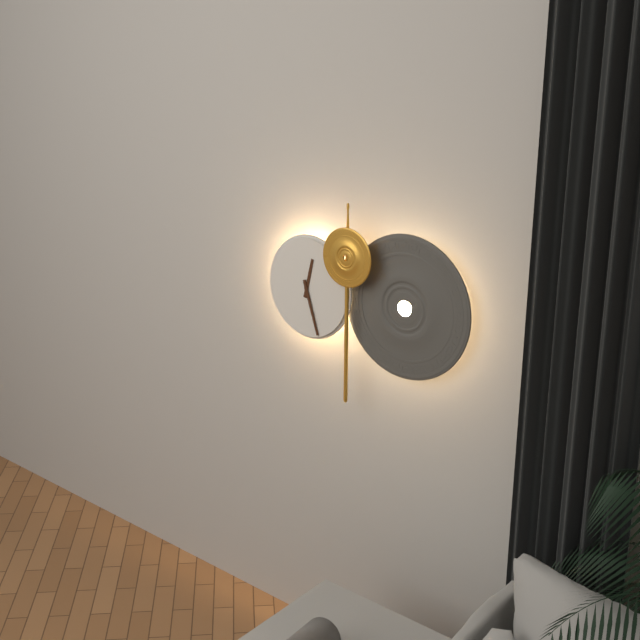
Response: 12:27
